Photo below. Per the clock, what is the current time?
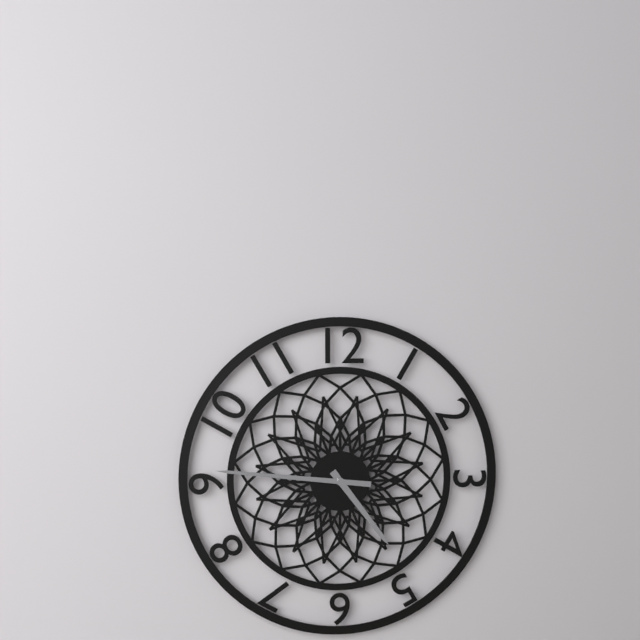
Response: 4:46
